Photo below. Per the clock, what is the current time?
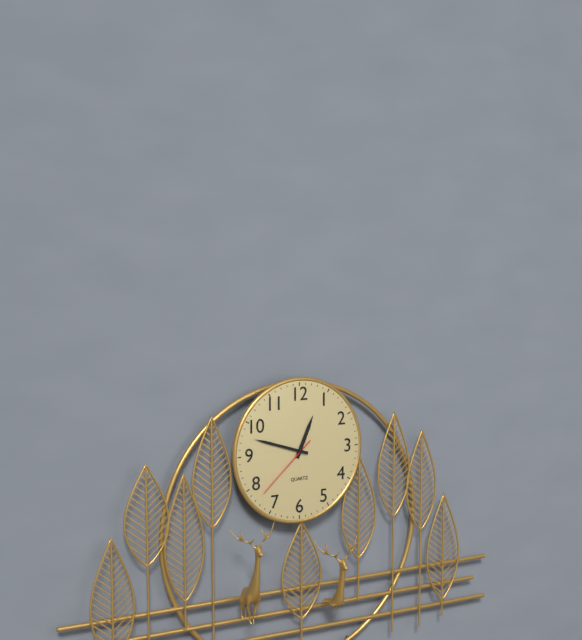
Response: 12:48:38
